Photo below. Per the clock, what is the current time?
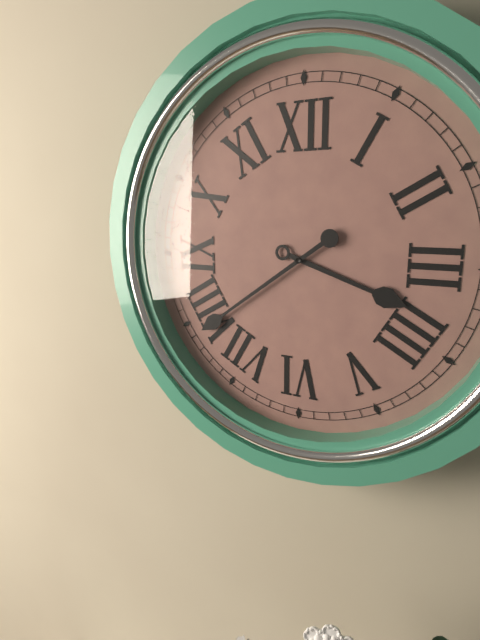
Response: 3:39
